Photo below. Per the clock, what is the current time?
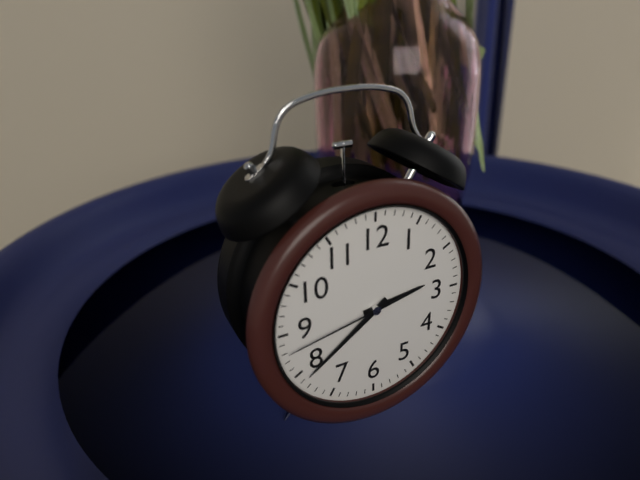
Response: 2:39:43
